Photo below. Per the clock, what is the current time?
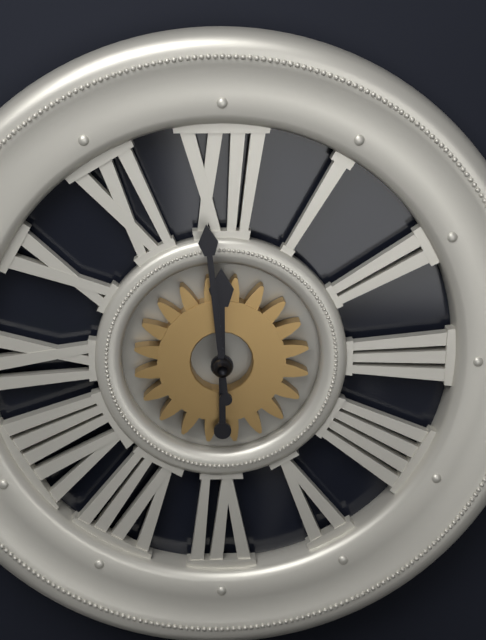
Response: 11:59
